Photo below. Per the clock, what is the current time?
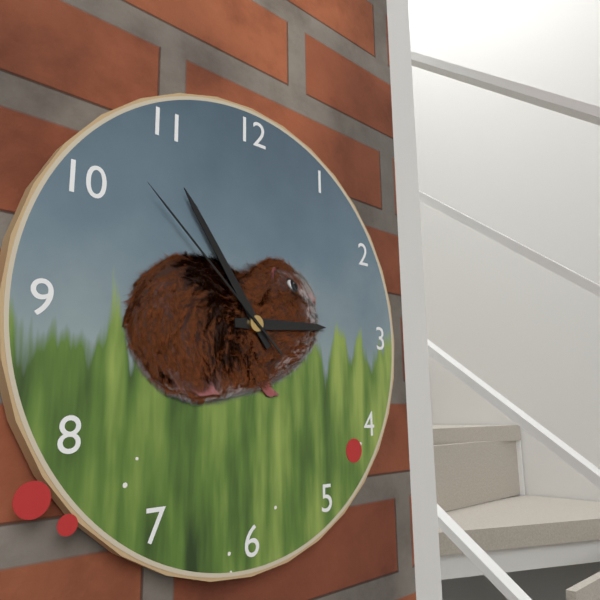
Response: 2:54:52
